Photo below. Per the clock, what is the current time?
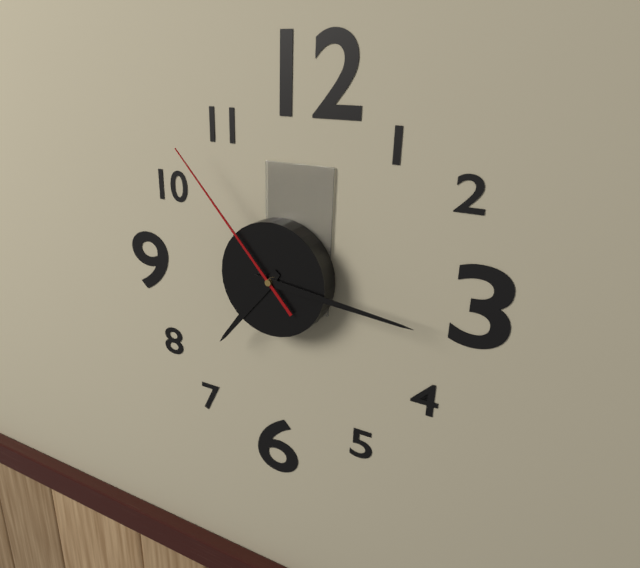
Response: 7:16:53
